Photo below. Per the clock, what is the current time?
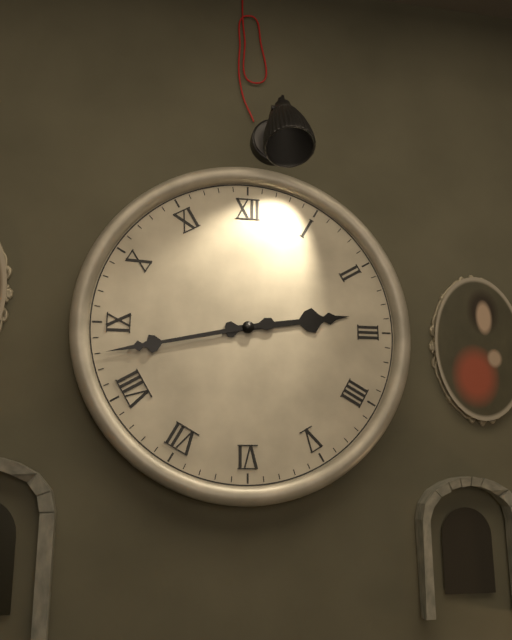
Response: 2:43
